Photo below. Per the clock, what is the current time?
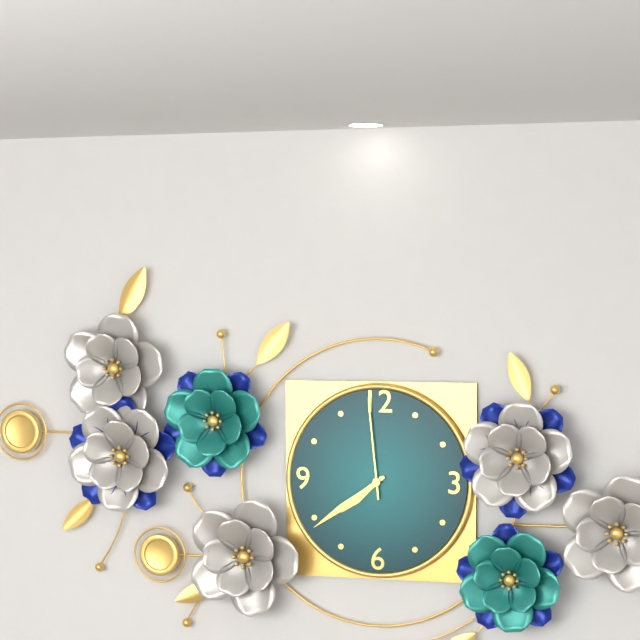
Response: 7:39:59
